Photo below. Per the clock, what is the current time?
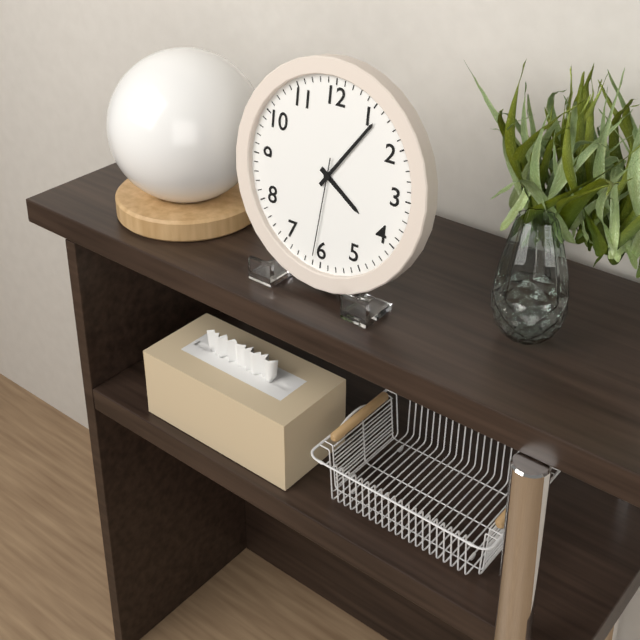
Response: 4:06:31
